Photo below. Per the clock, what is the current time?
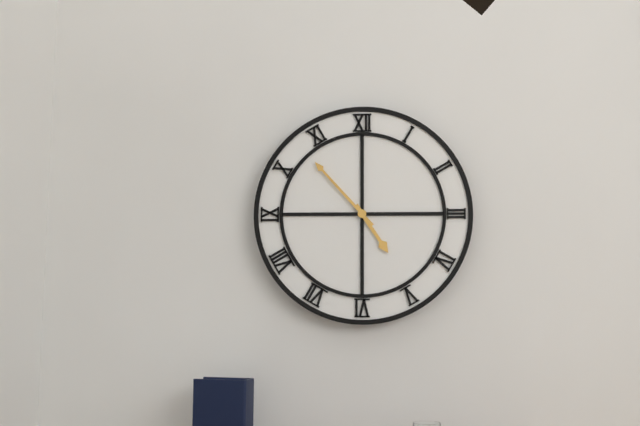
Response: 4:53
